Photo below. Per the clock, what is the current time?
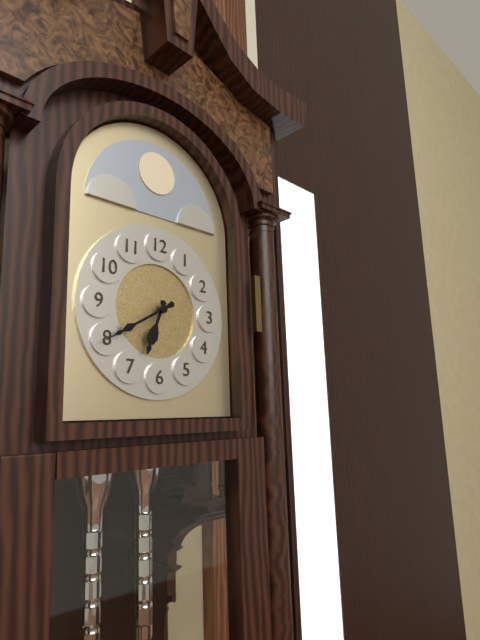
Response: 6:40
